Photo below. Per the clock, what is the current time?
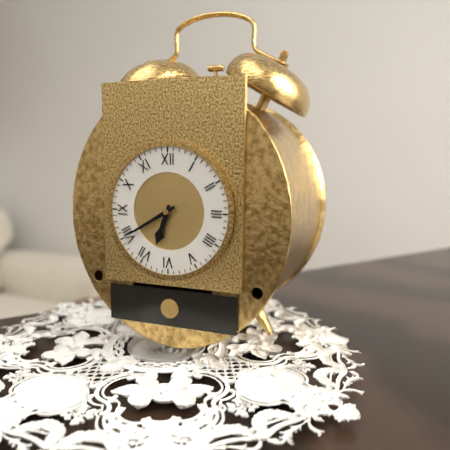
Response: 6:40
